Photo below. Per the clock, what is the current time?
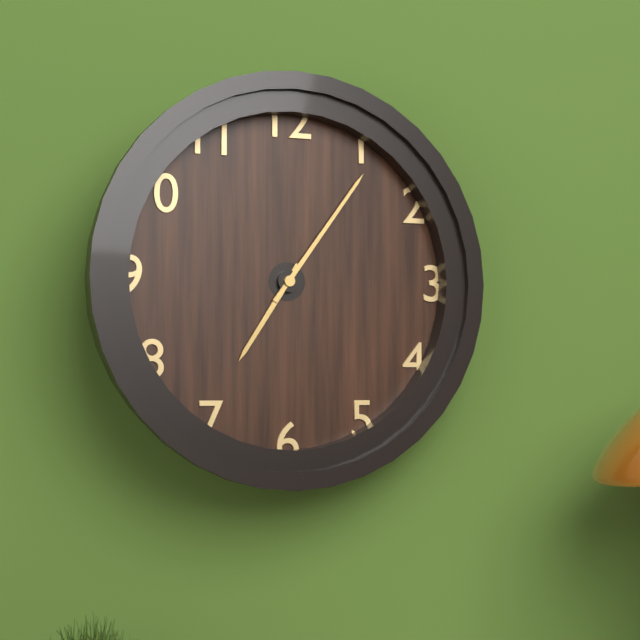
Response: 7:06
